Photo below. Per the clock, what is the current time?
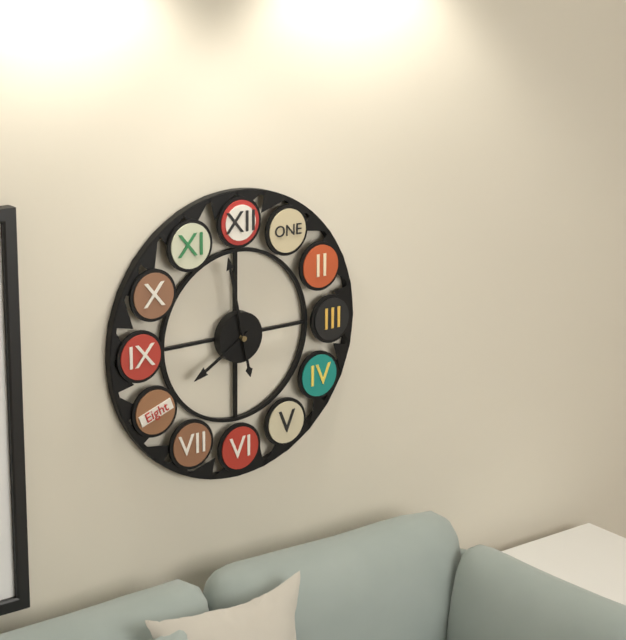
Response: 7:58
